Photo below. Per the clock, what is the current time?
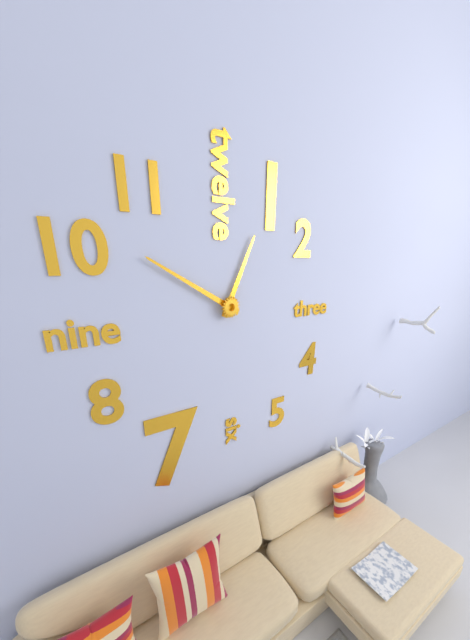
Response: 12:50
